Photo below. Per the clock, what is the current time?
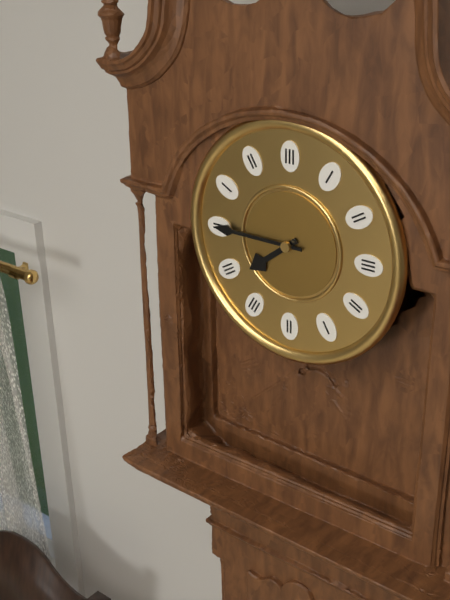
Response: 7:45
